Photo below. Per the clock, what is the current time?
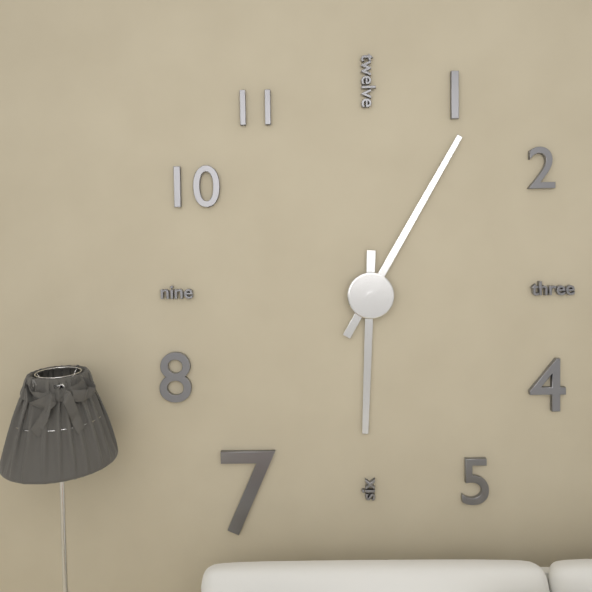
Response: 6:05
